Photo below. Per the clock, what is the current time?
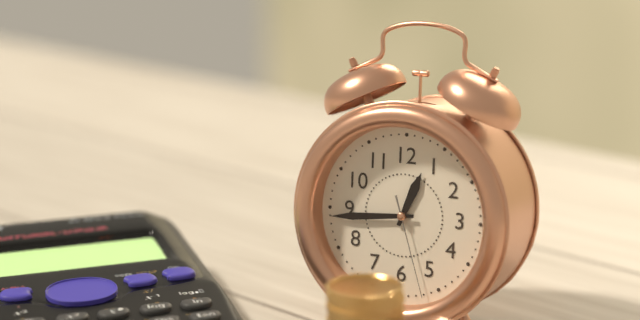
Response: 12:44:27
